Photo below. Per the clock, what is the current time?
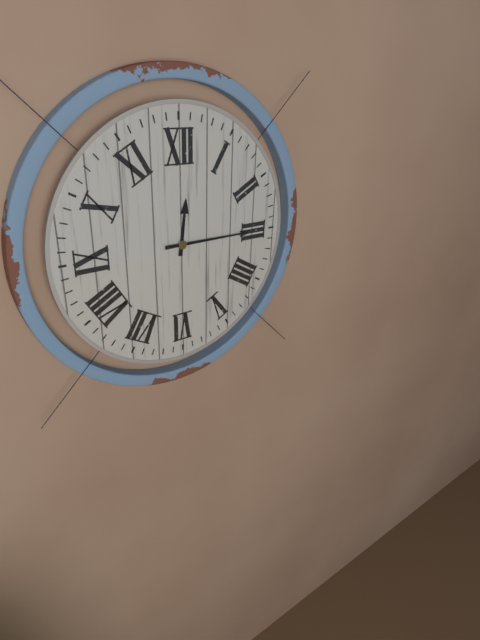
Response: 12:15
